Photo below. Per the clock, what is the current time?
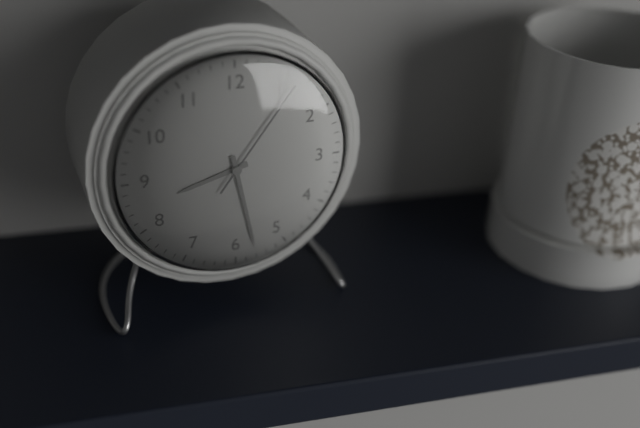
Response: 8:28:06
